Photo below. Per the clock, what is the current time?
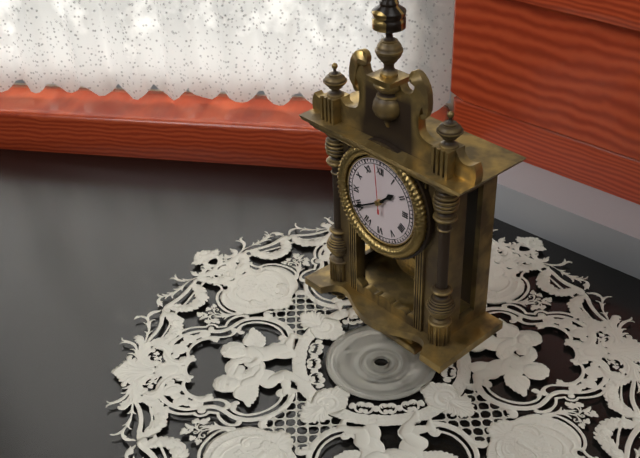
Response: 1:40
